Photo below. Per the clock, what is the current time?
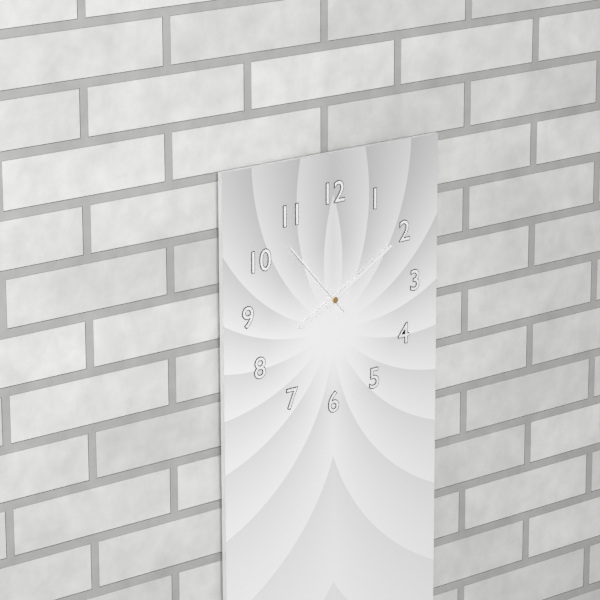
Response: 8:10:53
